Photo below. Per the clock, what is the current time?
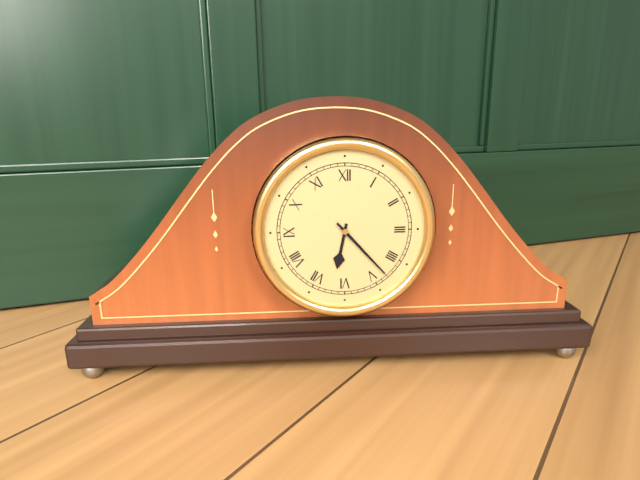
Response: 6:23
